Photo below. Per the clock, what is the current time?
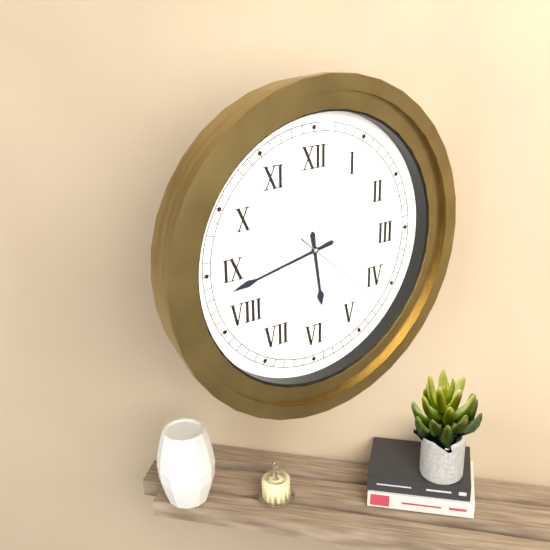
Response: 5:43:22
